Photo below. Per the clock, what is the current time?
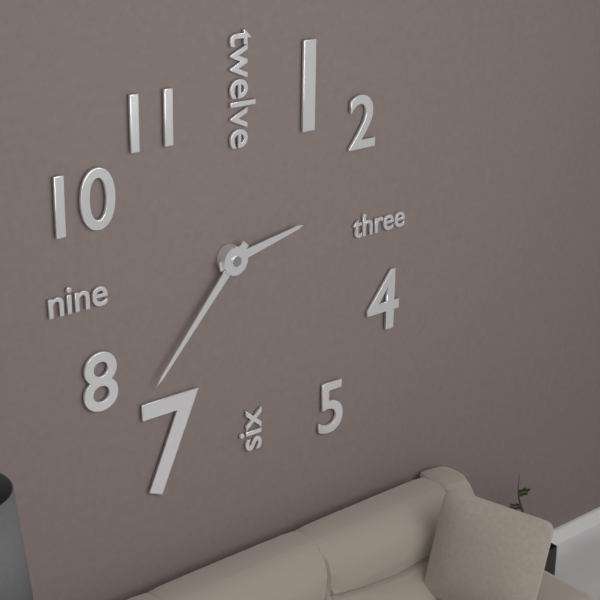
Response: 2:37
